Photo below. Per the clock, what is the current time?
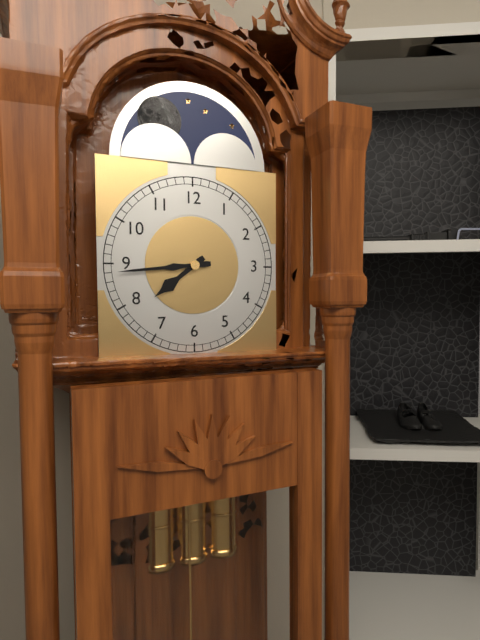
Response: 7:44
